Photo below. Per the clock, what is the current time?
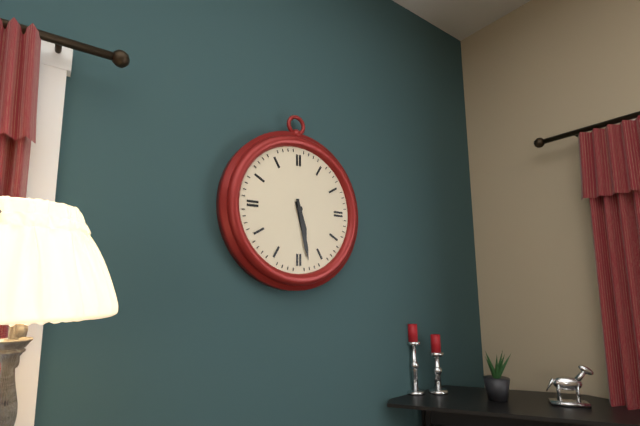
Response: 5:28
